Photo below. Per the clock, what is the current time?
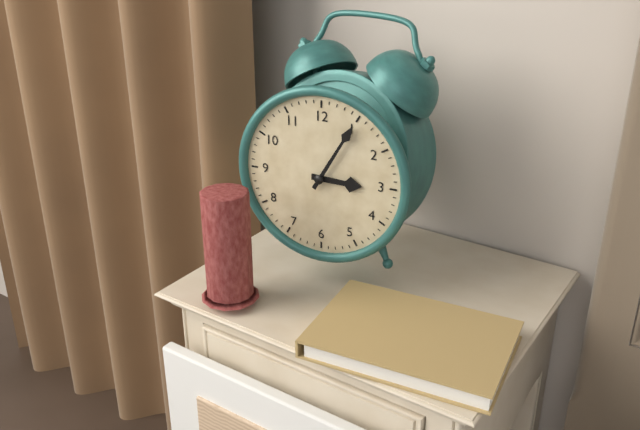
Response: 3:05
